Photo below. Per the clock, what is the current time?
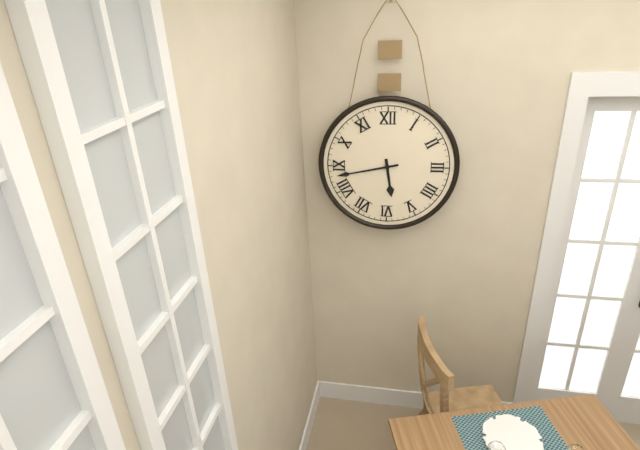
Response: 5:43
